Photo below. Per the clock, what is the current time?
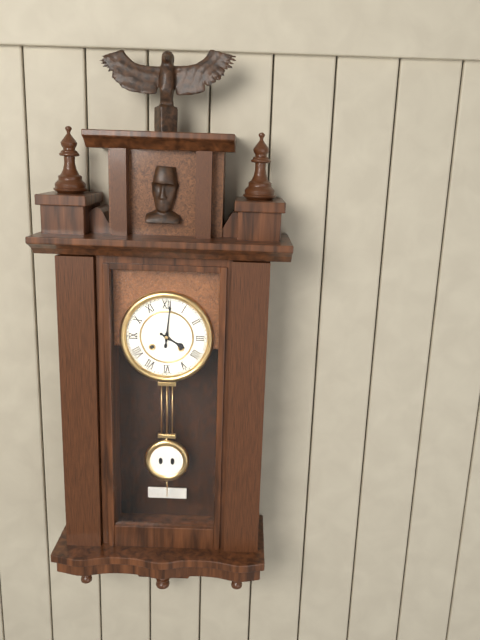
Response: 4:01
